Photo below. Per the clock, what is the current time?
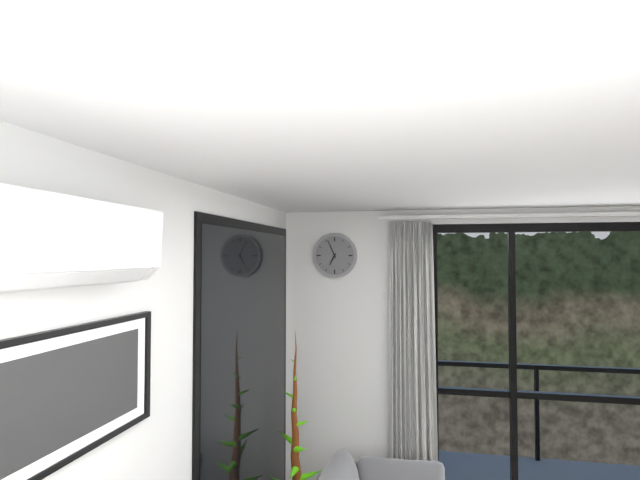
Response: 6:56
